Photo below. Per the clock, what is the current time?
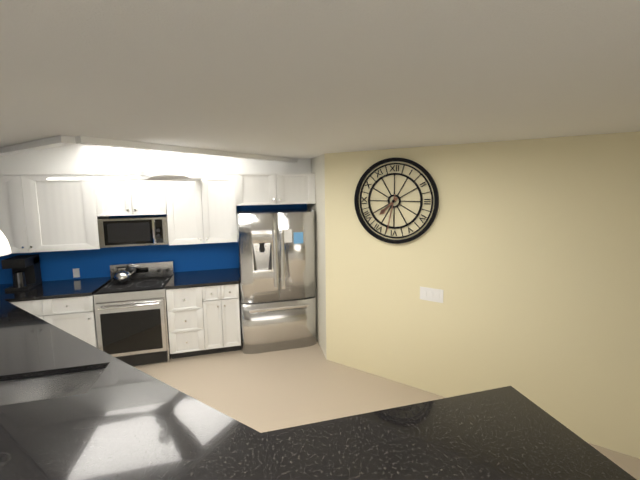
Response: 7:32
